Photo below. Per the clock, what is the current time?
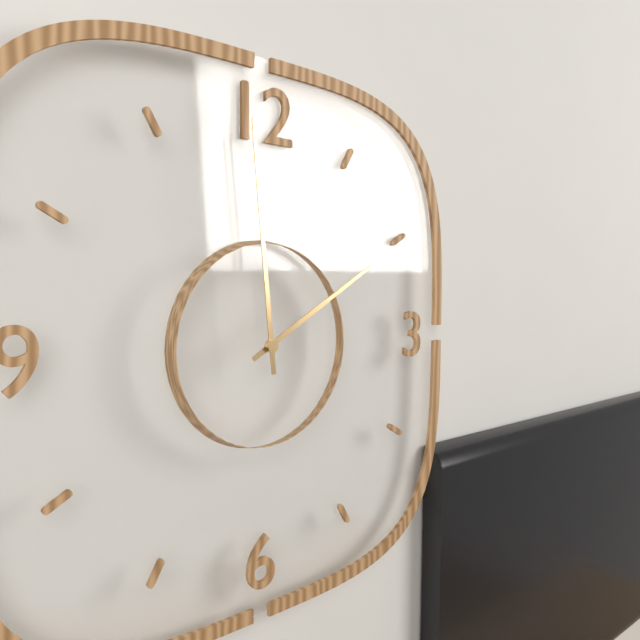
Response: 1:59
